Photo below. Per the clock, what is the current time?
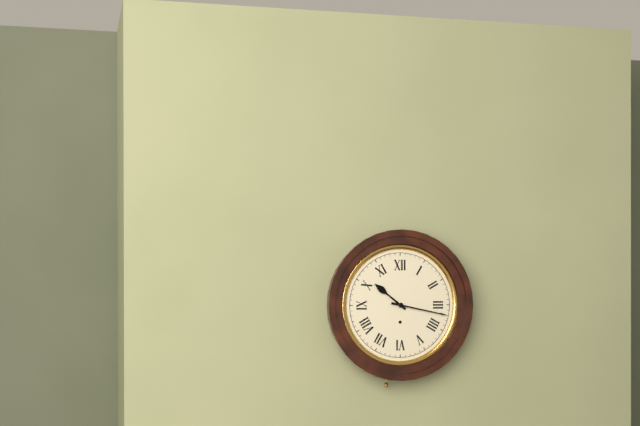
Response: 10:17
